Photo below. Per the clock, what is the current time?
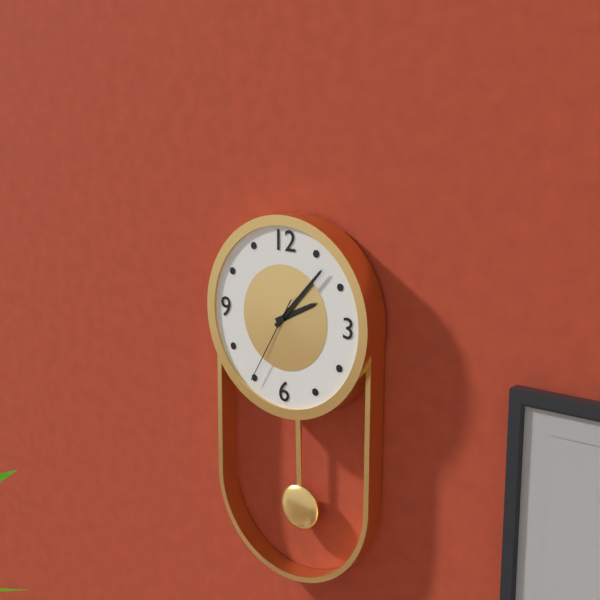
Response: 2:07:35
